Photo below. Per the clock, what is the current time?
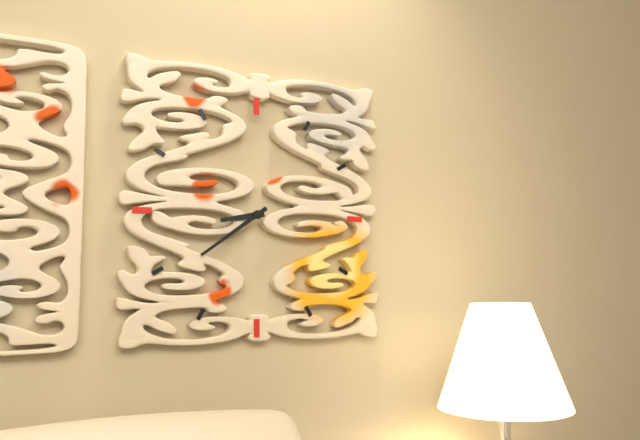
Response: 8:39
